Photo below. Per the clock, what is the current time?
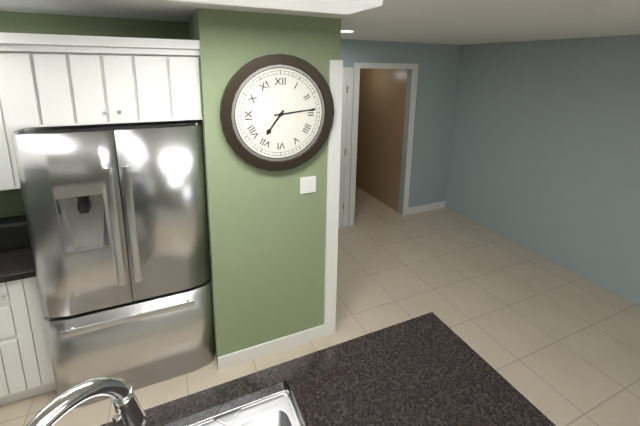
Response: 7:14
